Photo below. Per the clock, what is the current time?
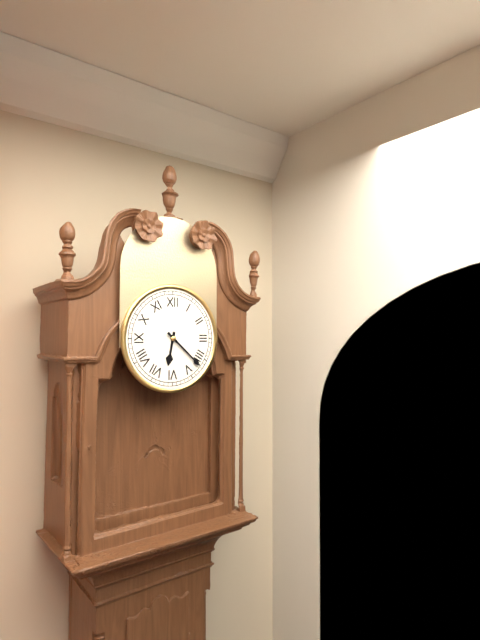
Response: 6:22
